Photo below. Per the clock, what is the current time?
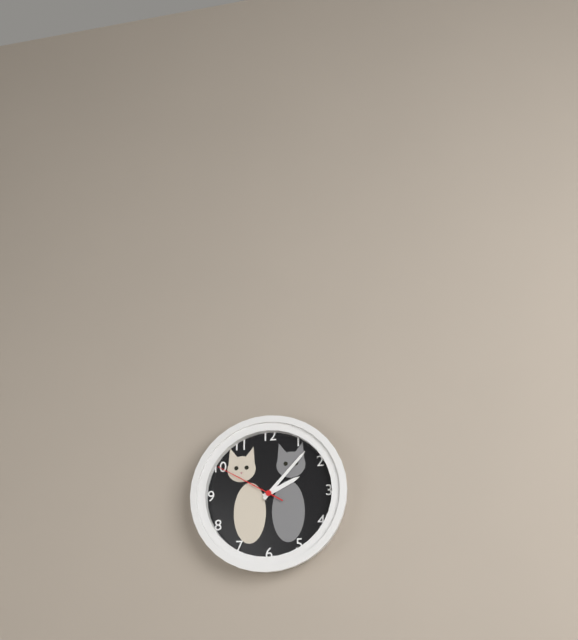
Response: 2:07:50
